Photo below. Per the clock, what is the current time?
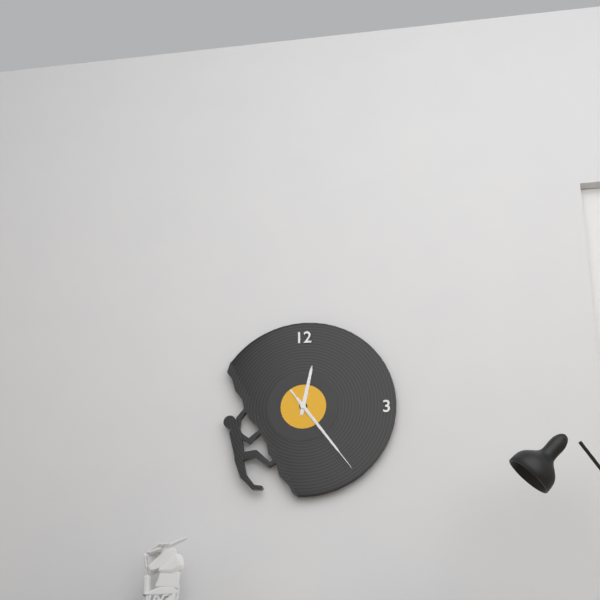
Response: 12:24:24
